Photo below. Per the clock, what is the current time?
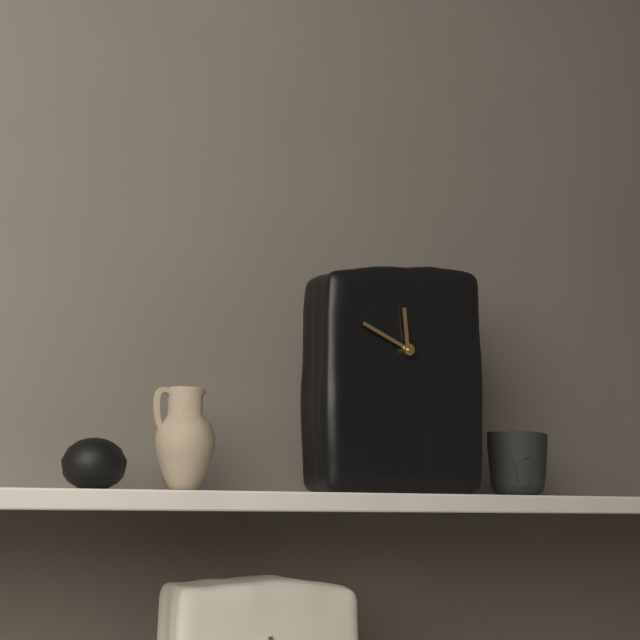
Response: 11:49
